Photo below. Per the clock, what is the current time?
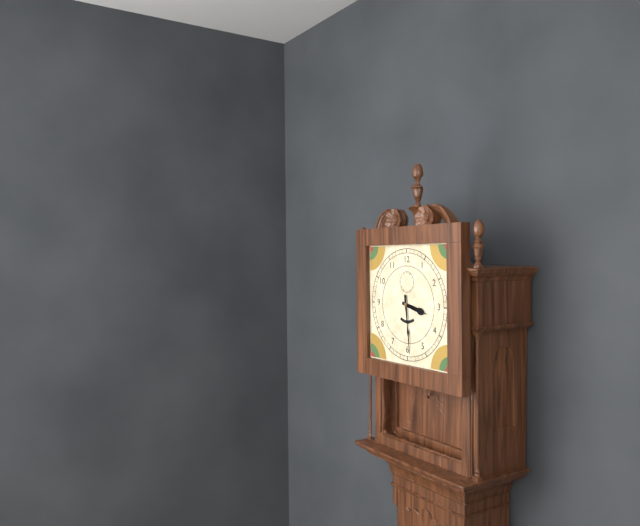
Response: 3:29
